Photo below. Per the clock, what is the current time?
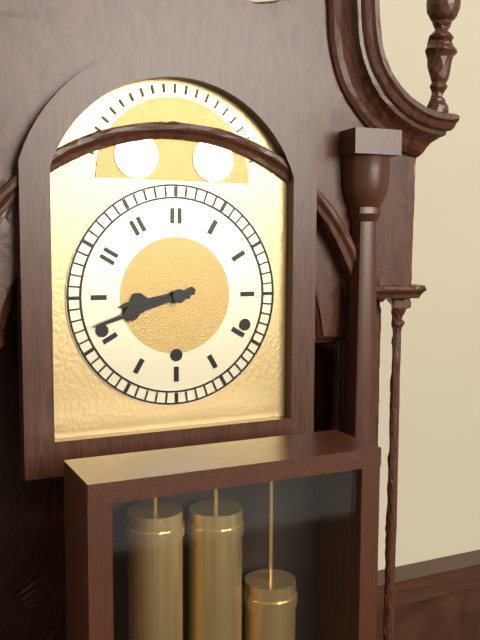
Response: 8:42
